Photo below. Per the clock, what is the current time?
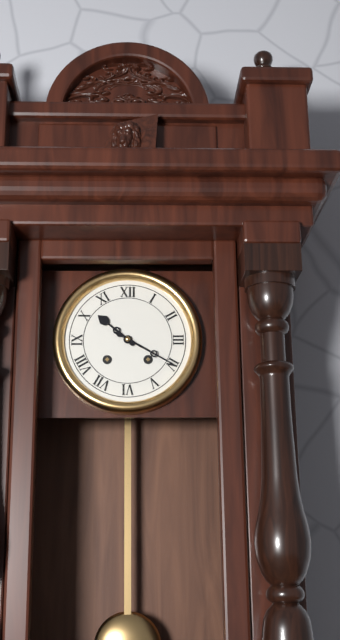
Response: 10:20
